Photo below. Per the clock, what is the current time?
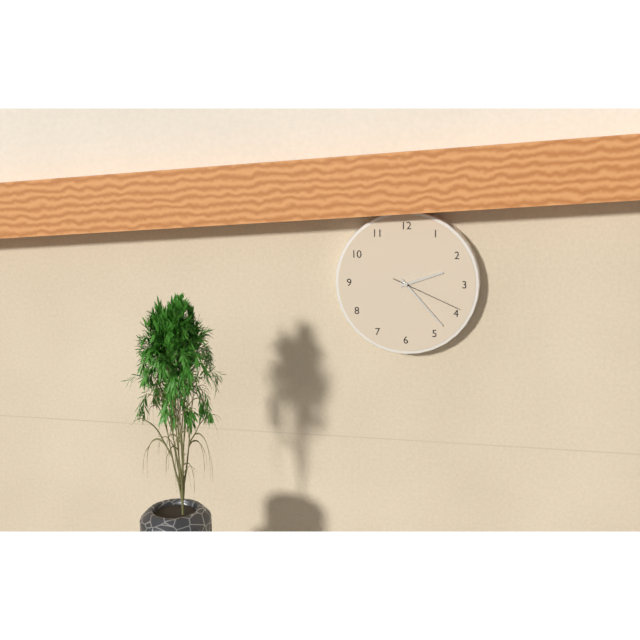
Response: 2:23:19
